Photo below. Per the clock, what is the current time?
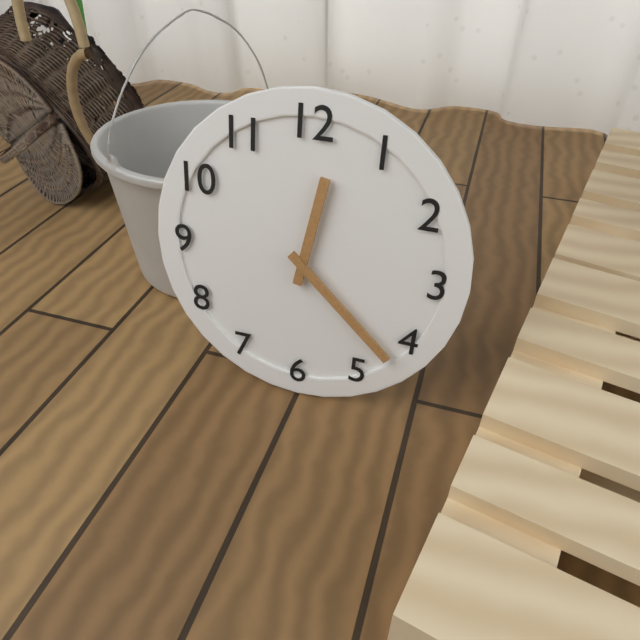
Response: 12:22
